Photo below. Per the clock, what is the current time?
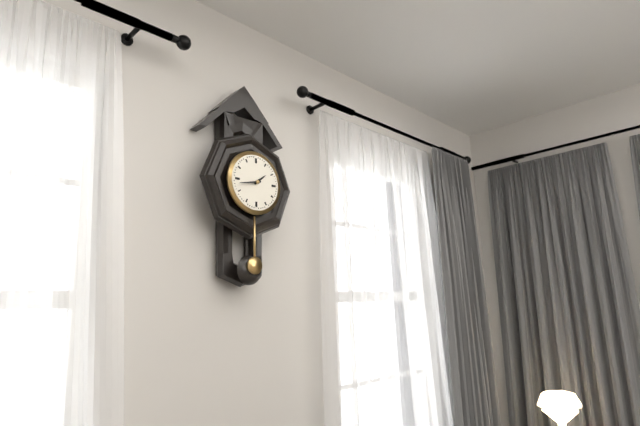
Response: 1:43
